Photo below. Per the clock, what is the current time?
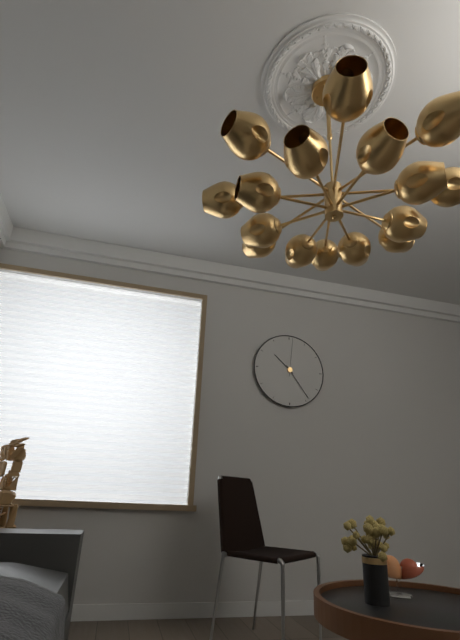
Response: 10:24
